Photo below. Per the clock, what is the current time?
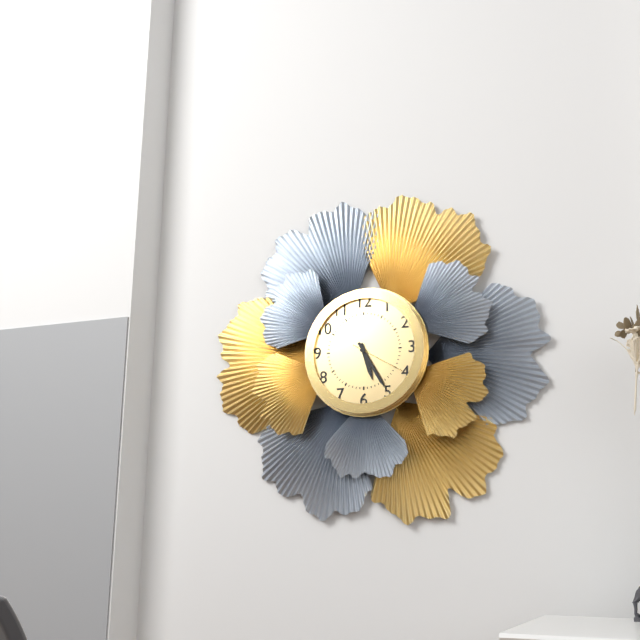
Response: 5:25
